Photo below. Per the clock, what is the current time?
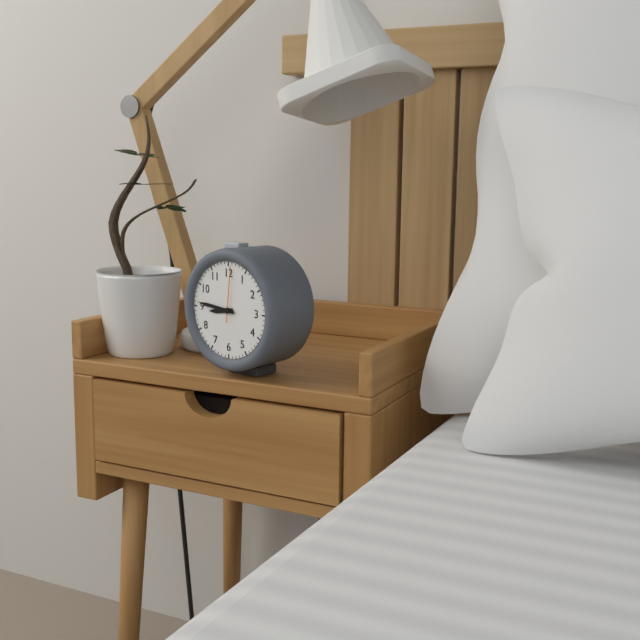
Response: 8:46:01
